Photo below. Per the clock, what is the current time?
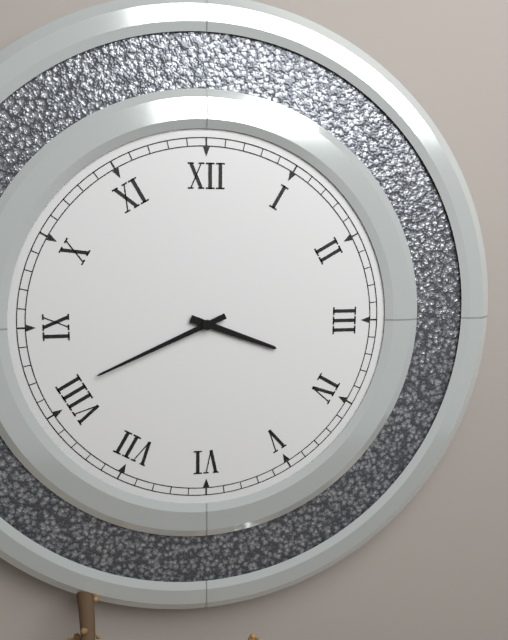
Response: 3:41
